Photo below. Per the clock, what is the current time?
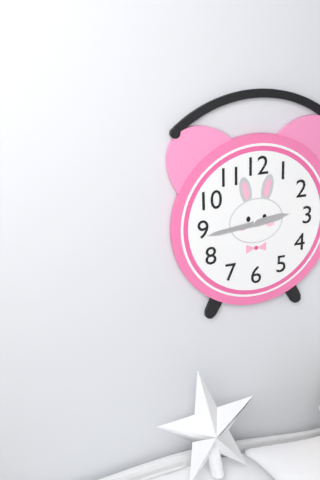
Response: 2:44
